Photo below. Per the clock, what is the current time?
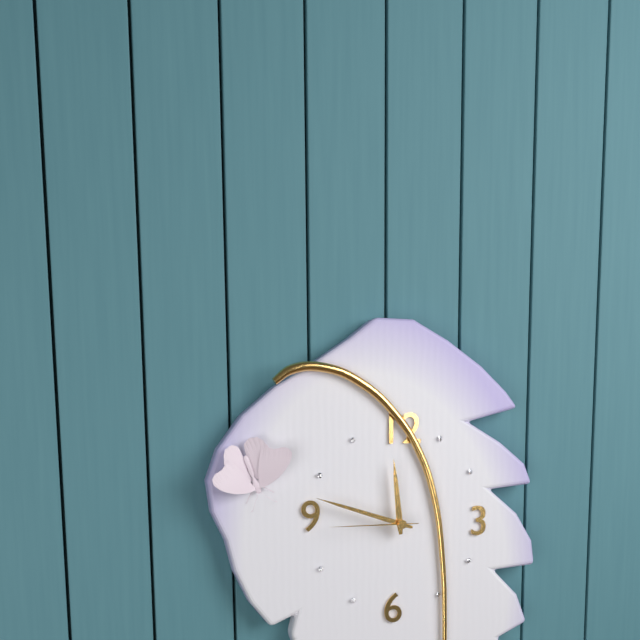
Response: 11:48:45
